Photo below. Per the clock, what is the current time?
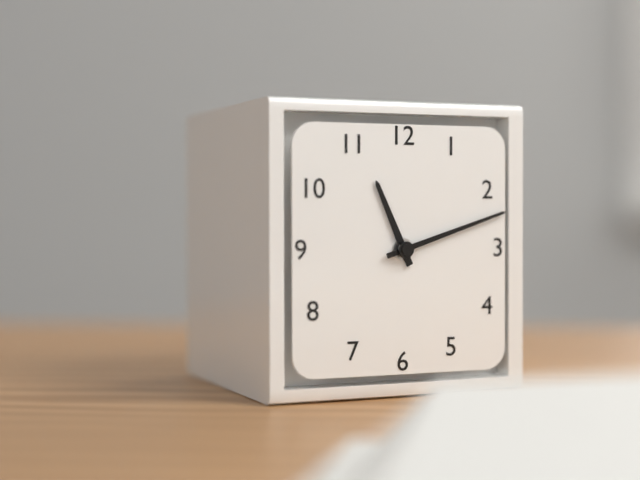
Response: 11:12
